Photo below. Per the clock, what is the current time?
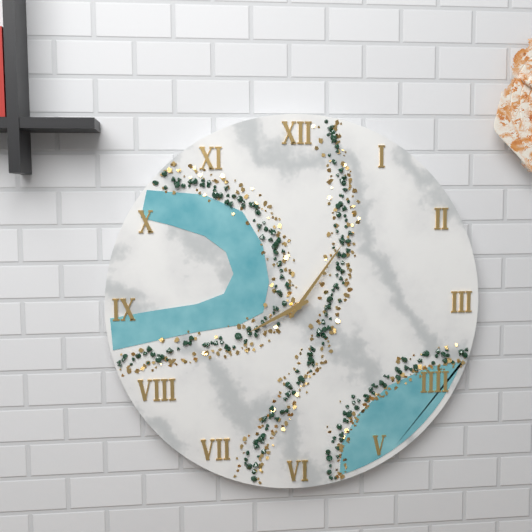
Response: 8:06
